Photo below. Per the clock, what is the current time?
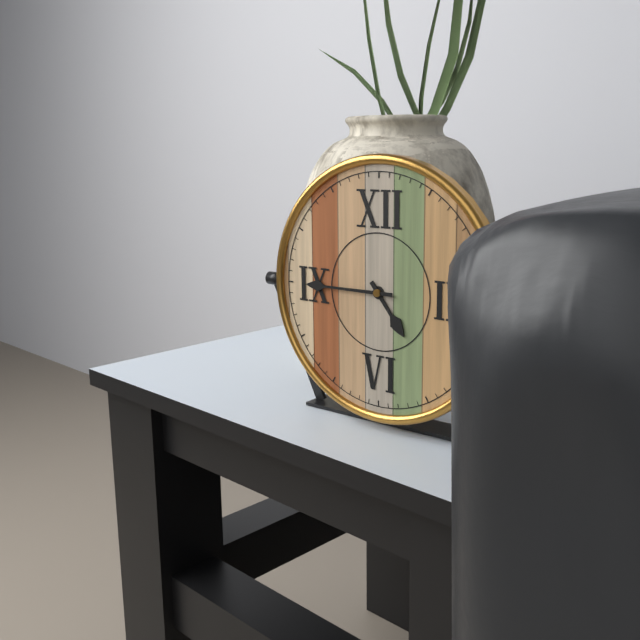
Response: 4:45
